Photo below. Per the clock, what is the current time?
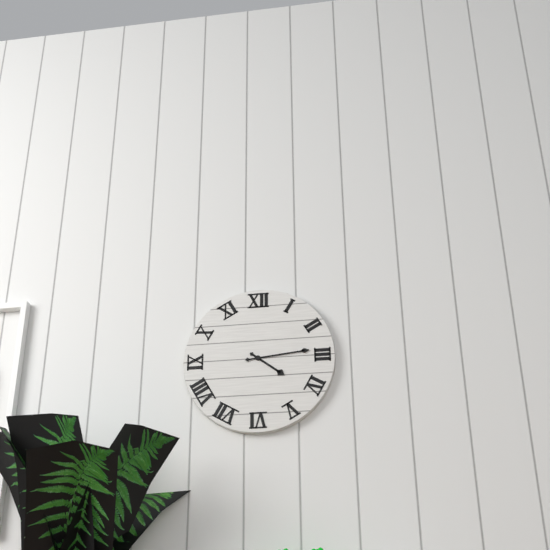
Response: 4:14
